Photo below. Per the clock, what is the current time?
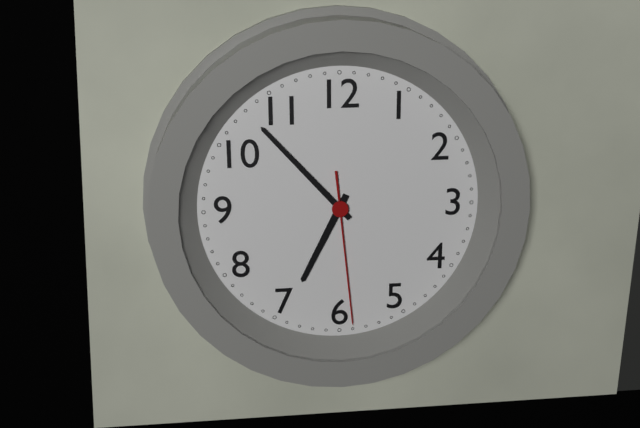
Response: 6:53:29
